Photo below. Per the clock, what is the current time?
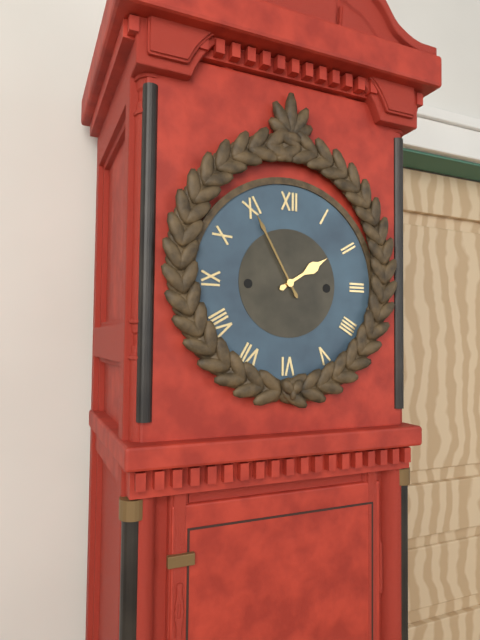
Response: 1:55
